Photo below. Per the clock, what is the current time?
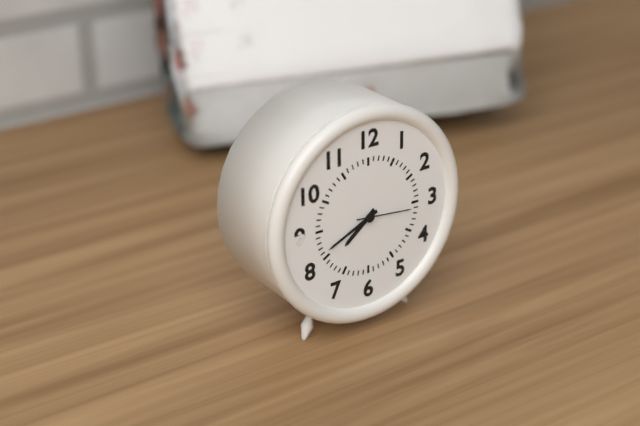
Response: 7:41:16
